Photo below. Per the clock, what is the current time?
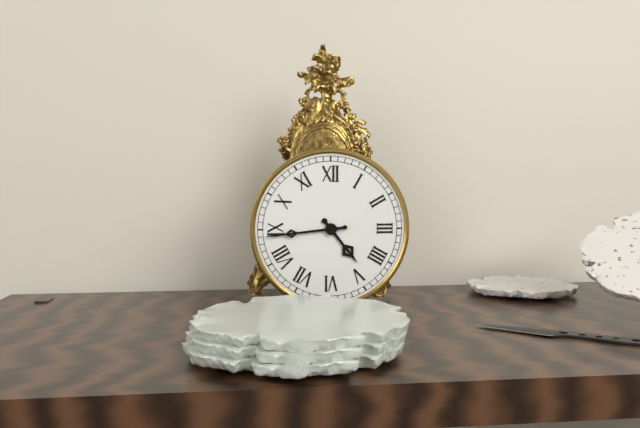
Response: 4:44
